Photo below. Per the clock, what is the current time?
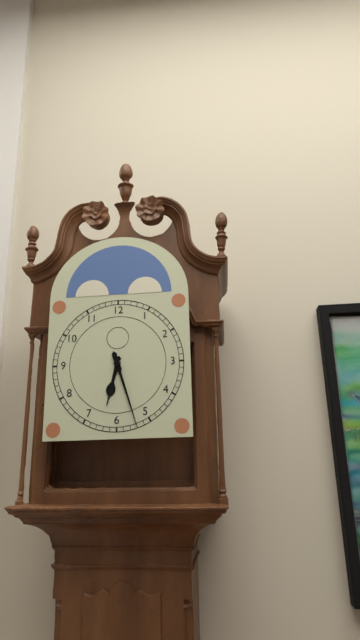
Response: 6:27
